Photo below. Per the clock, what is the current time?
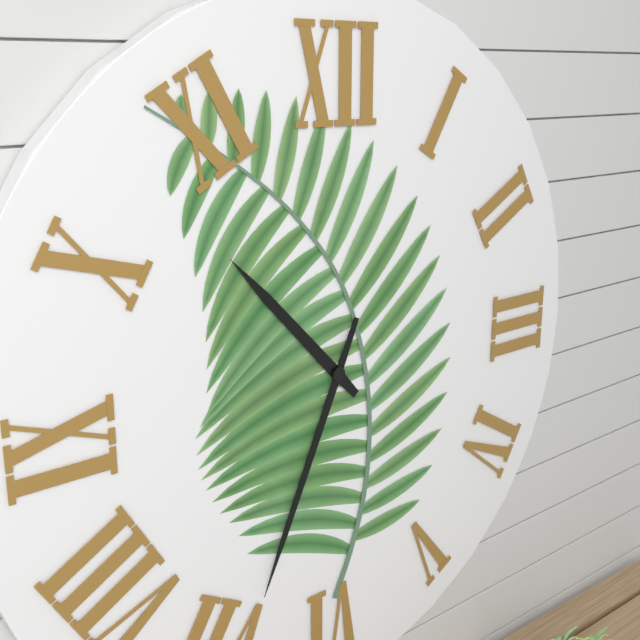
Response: 10:34
